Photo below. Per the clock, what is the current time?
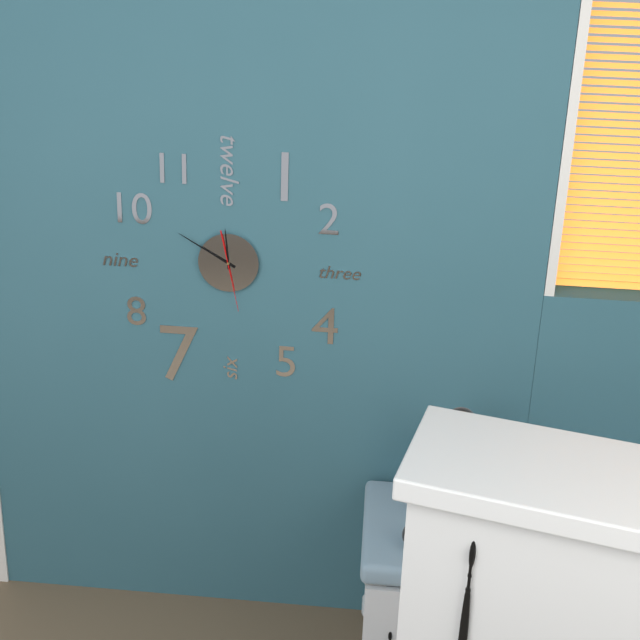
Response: 11:50:28
